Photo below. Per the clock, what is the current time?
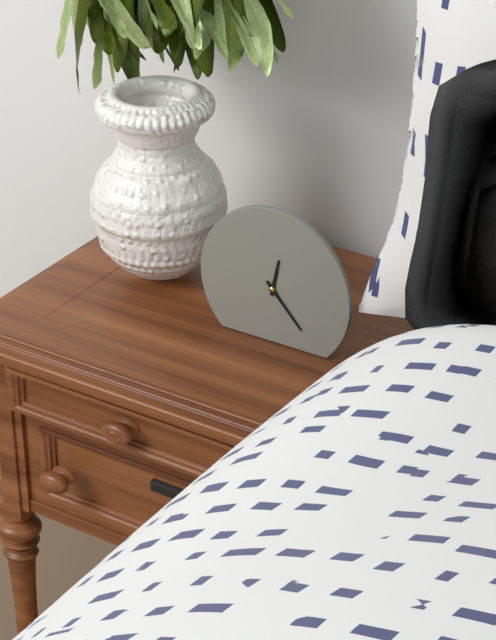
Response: 12:23
